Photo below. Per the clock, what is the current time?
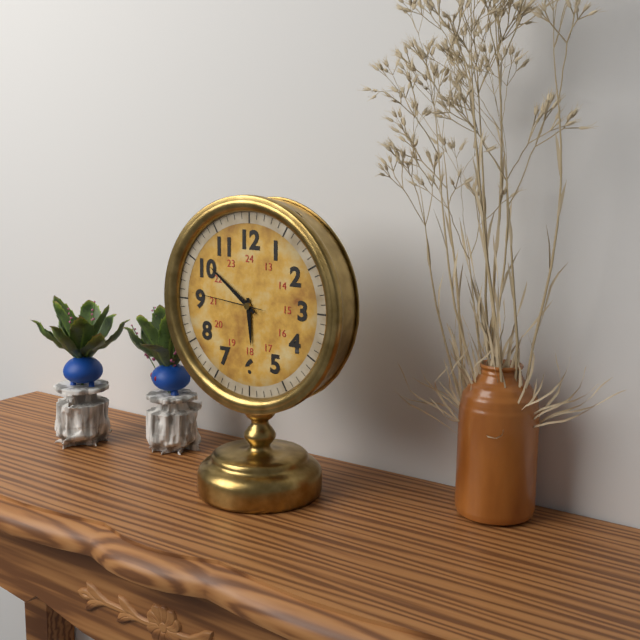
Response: 5:51:46
